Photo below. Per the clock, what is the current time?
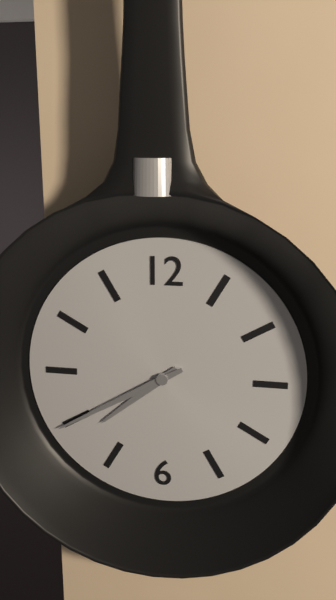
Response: 7:40
